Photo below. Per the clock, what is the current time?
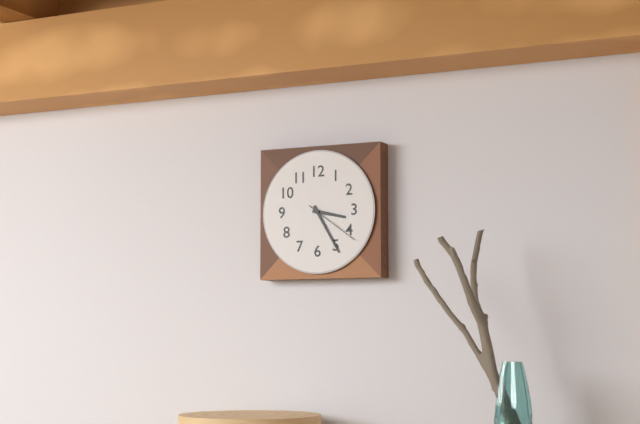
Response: 3:25:21
